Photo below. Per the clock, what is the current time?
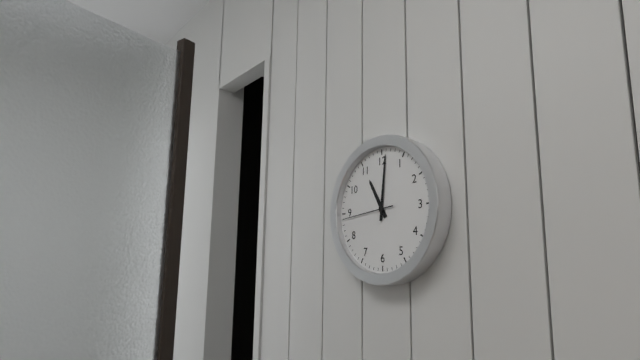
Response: 11:01
